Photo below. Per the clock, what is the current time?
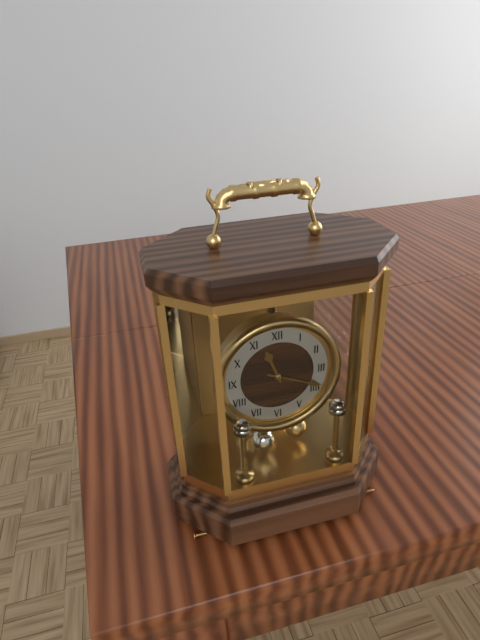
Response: 11:19
